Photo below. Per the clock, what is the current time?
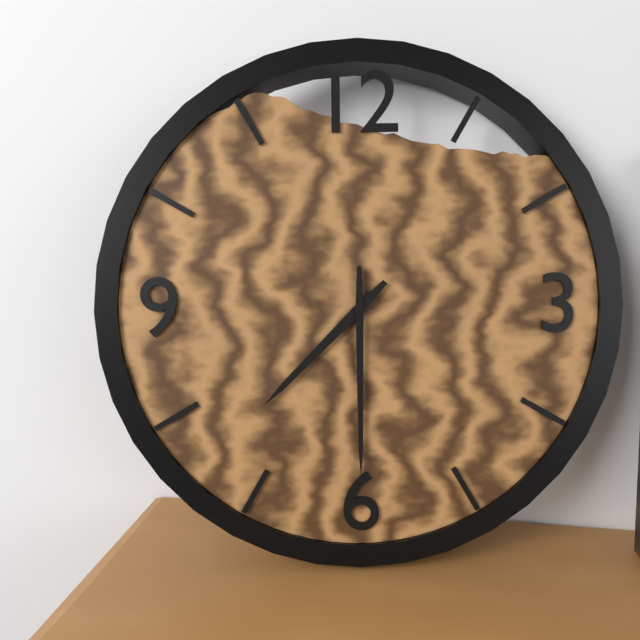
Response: 7:30
